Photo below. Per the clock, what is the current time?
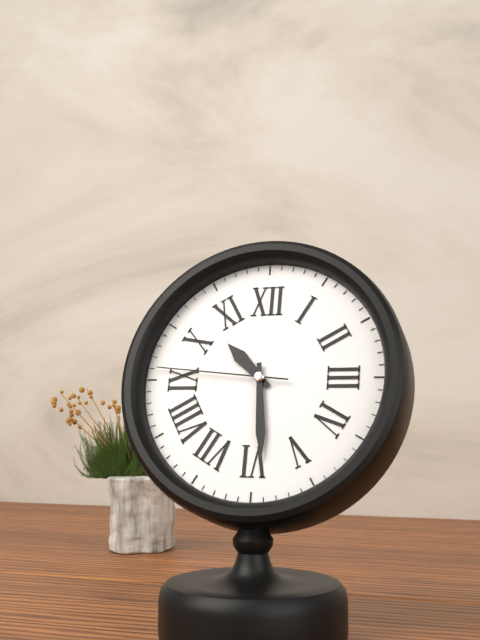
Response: 10:29:46
